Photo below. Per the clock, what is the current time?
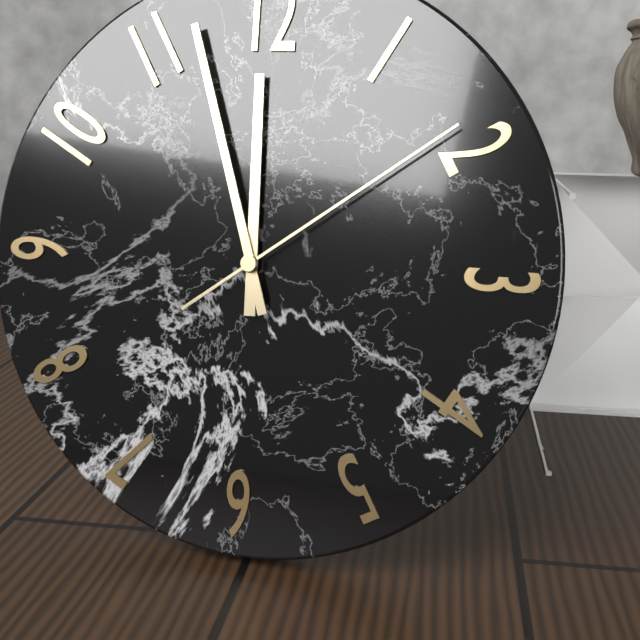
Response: 11:57:09
